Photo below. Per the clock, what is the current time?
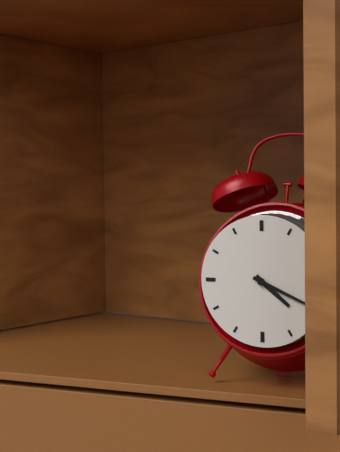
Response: 4:19
